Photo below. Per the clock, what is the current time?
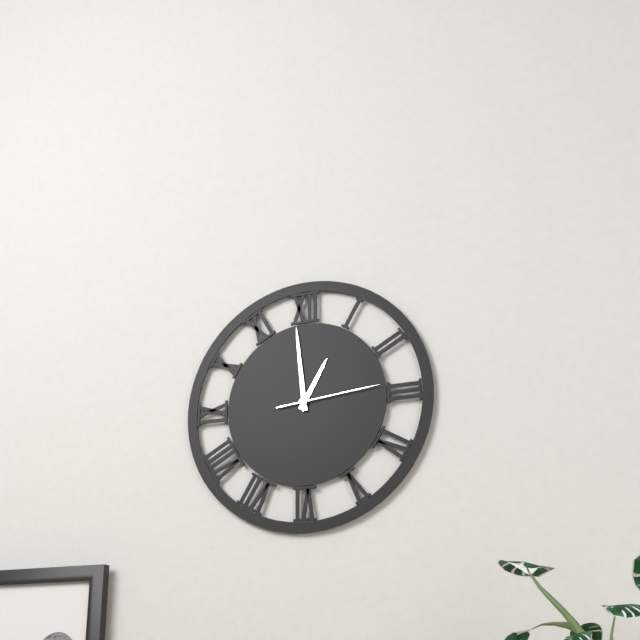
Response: 12:59:14
